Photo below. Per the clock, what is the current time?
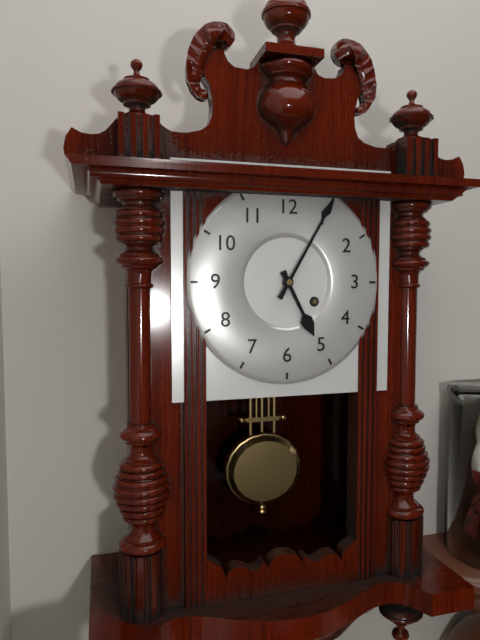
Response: 5:05
